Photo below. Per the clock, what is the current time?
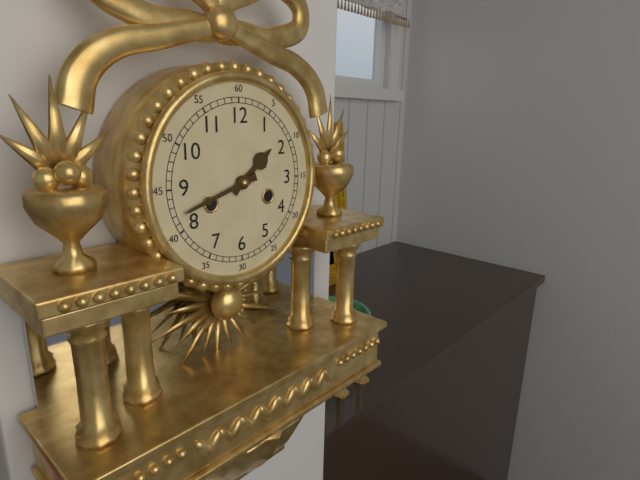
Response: 1:42
